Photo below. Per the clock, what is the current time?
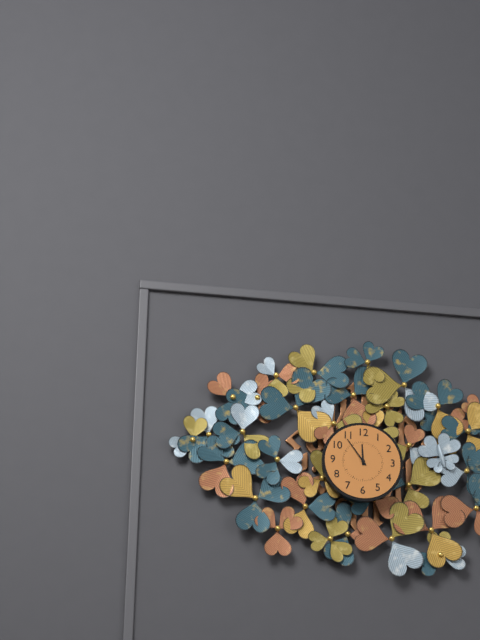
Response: 11:54
